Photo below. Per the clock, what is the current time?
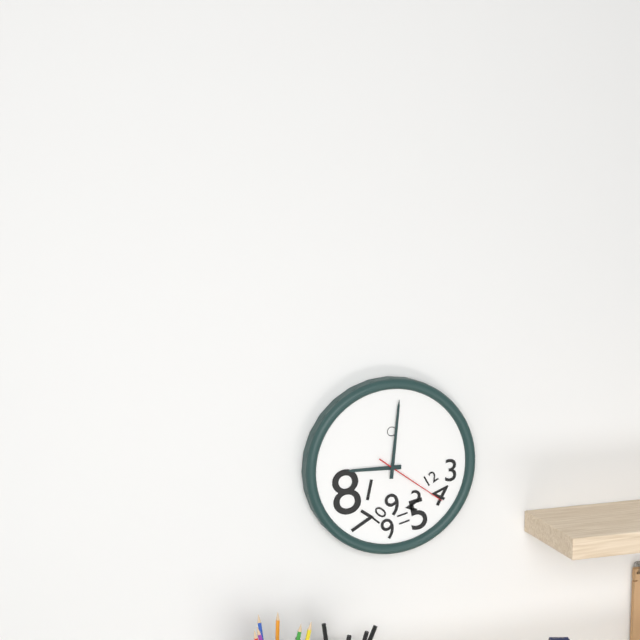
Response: 9:01:21
